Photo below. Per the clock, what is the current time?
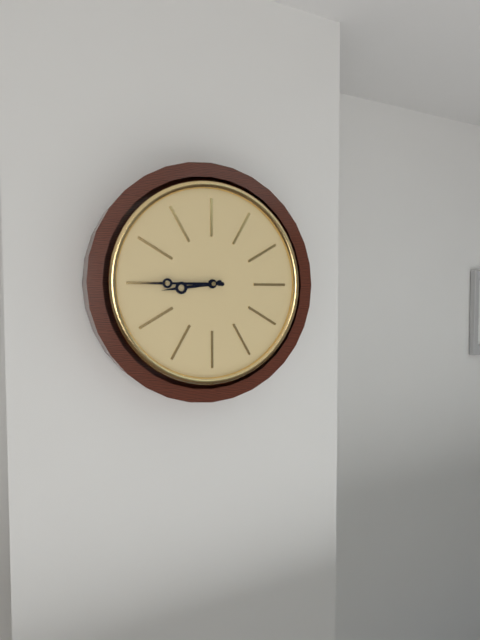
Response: 8:45
